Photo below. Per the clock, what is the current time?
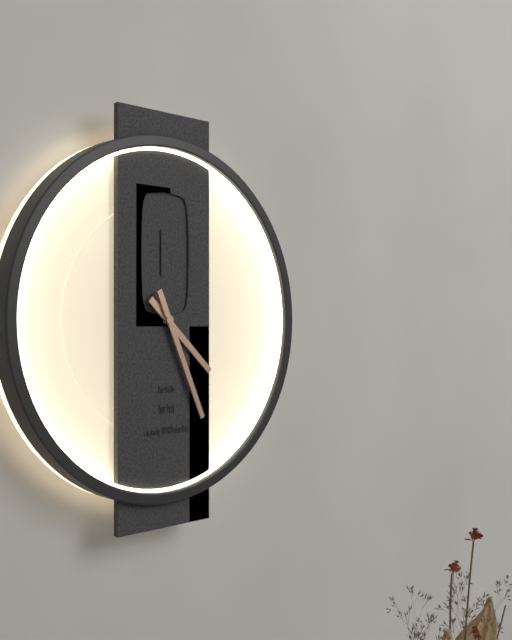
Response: 4:26
